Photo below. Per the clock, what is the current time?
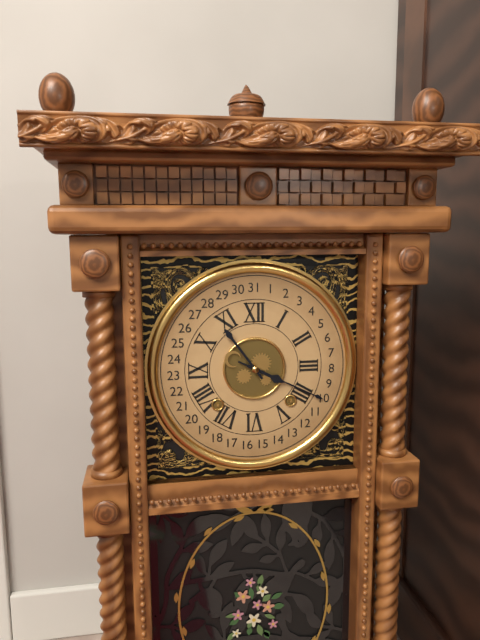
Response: 3:54
